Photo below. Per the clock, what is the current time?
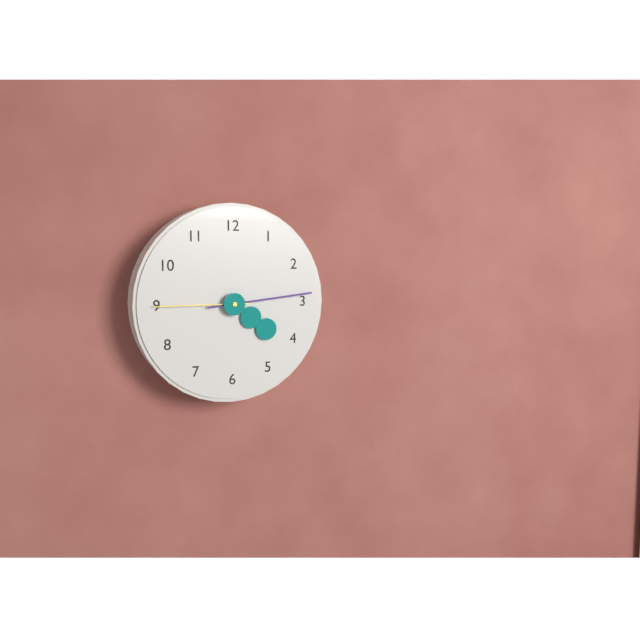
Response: 4:14:45
